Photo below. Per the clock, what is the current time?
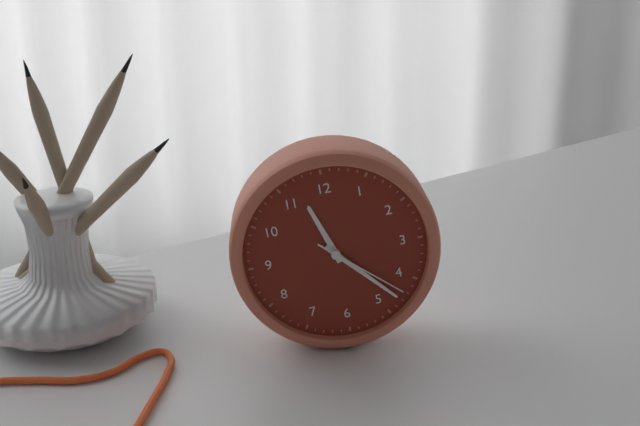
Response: 11:23:22
